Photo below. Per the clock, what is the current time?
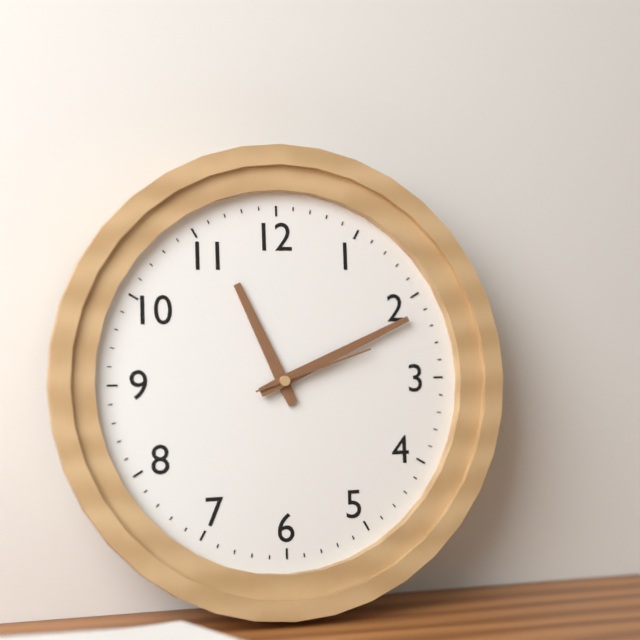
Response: 11:11:12
